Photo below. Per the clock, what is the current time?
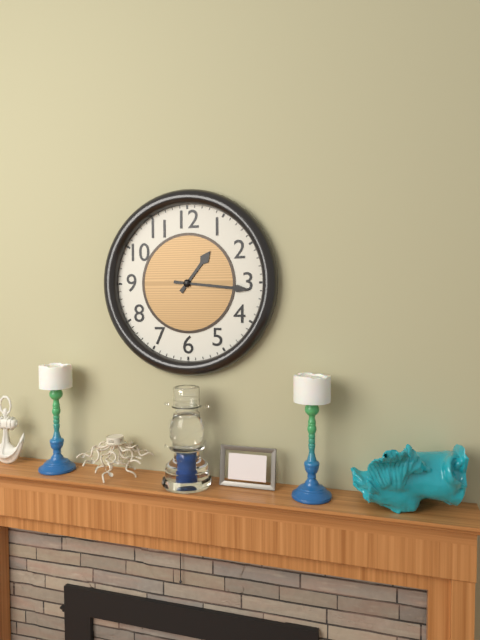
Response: 1:16
